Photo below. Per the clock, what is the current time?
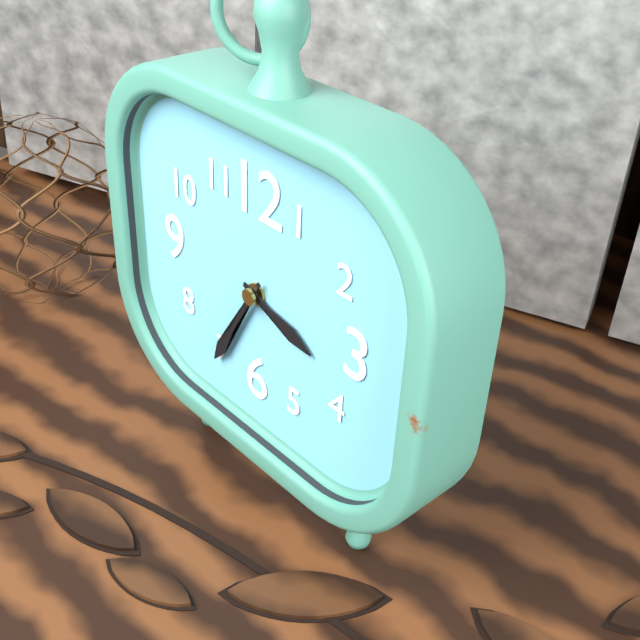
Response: 3:35
